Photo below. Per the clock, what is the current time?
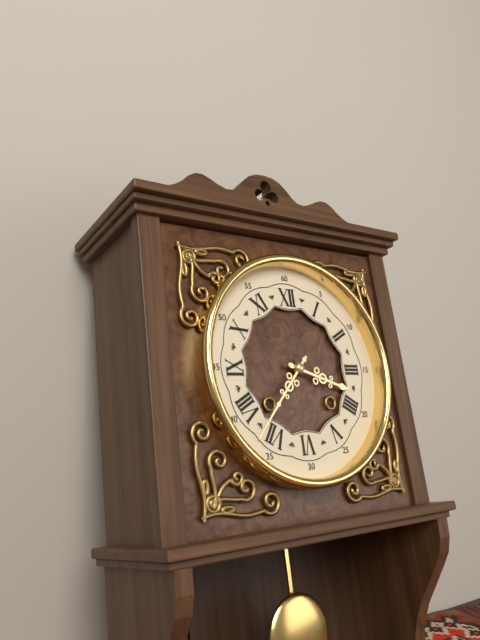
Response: 3:37
